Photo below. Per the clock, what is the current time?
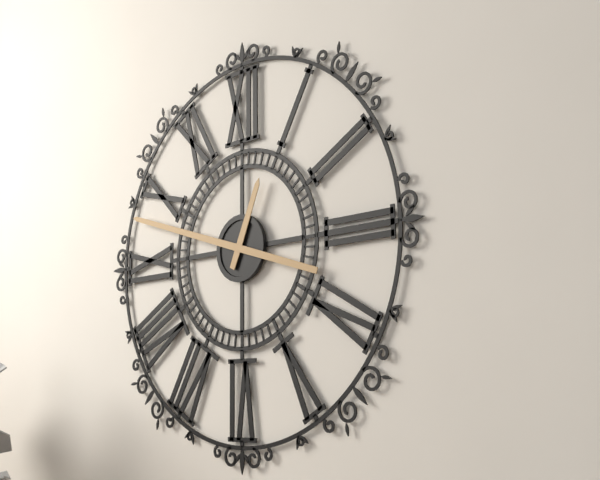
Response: 12:48
